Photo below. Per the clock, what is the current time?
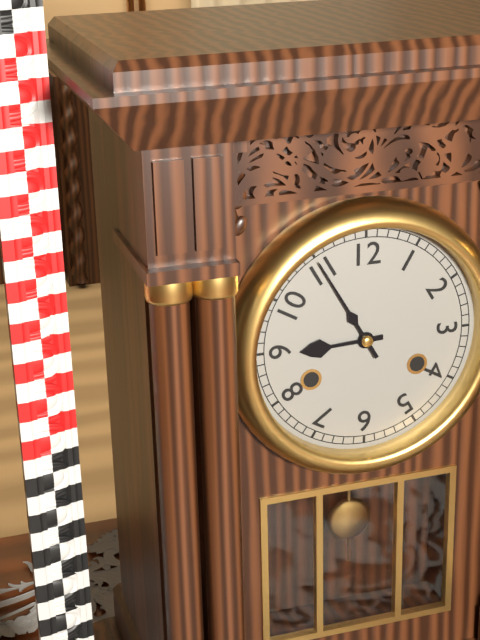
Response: 8:55
